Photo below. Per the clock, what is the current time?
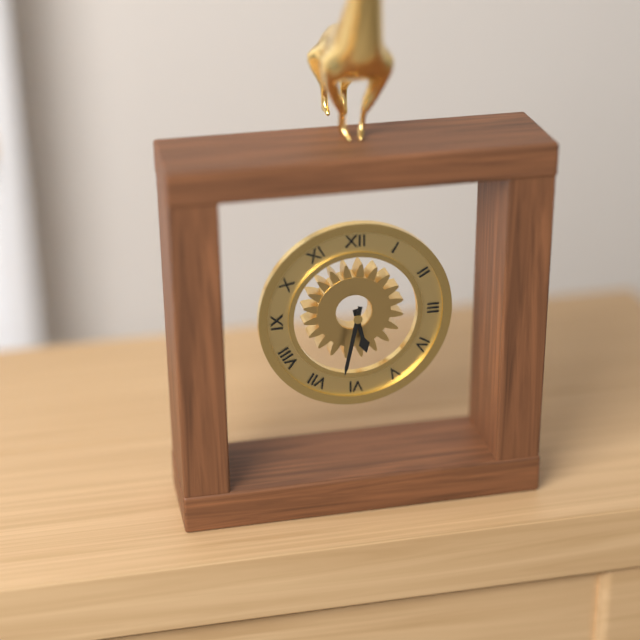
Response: 5:32
